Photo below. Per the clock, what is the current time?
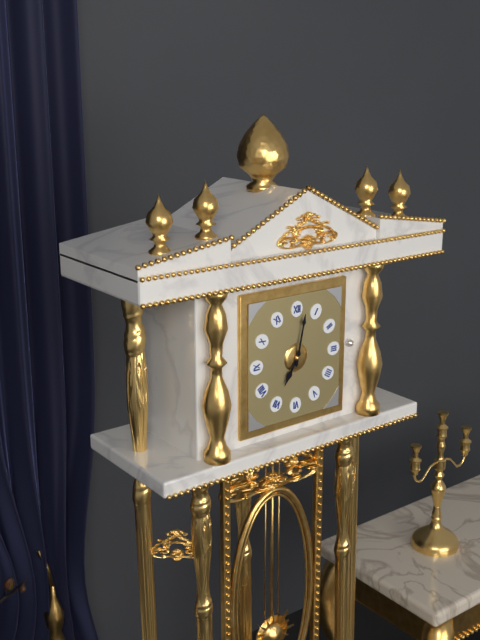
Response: 7:02
